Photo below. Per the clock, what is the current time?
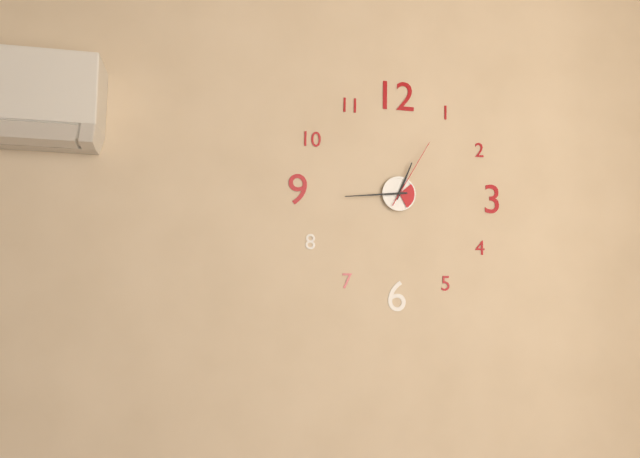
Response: 12:44:05
